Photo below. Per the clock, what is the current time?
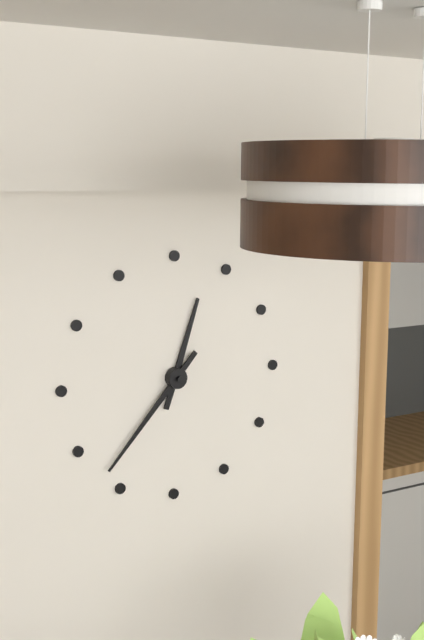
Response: 12:37
